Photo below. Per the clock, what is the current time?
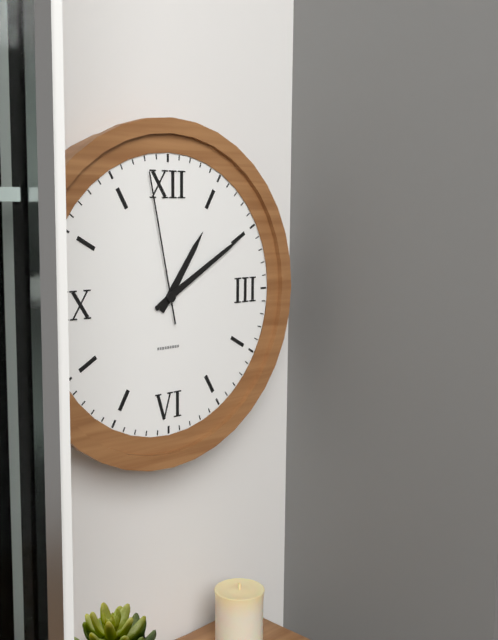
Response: 1:10:58
